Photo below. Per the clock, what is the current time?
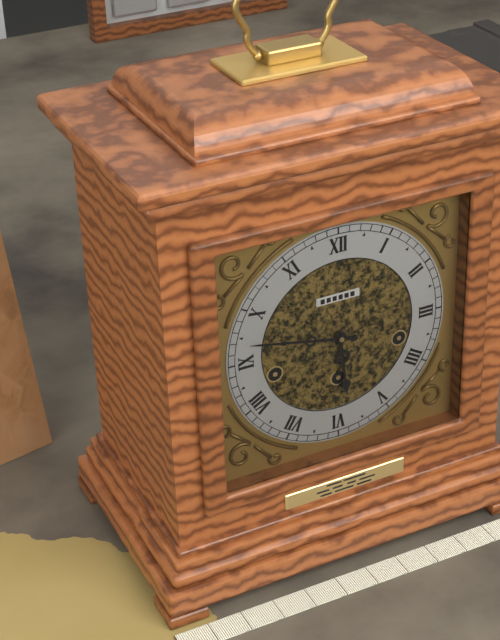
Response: 5:47
